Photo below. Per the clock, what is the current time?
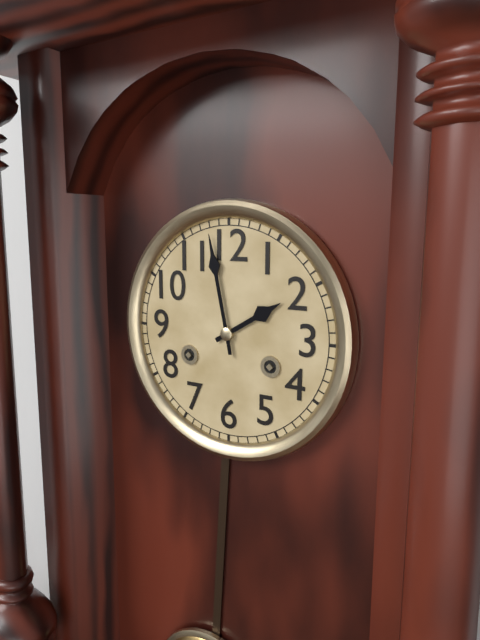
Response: 1:58
